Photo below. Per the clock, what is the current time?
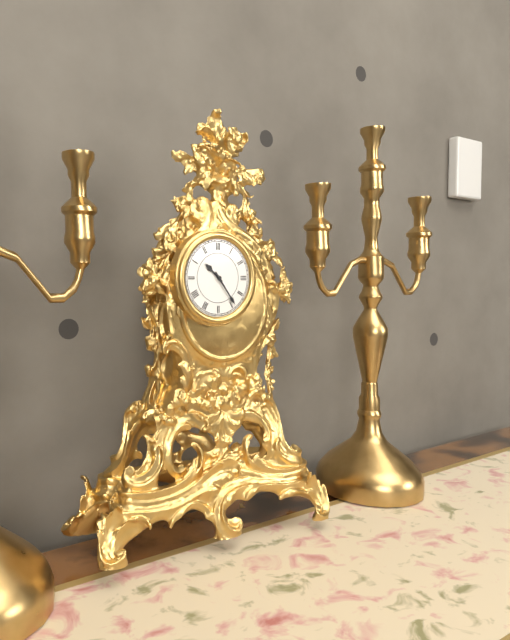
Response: 10:24
